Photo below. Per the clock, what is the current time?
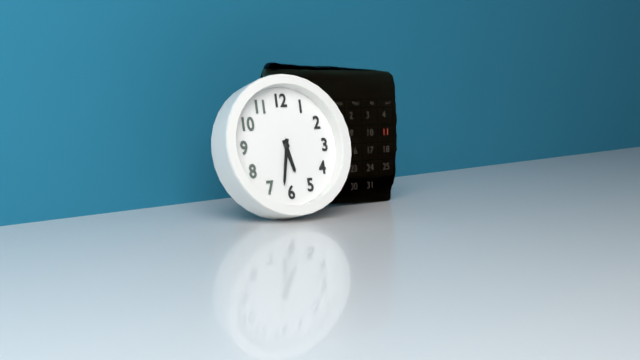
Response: 5:32
